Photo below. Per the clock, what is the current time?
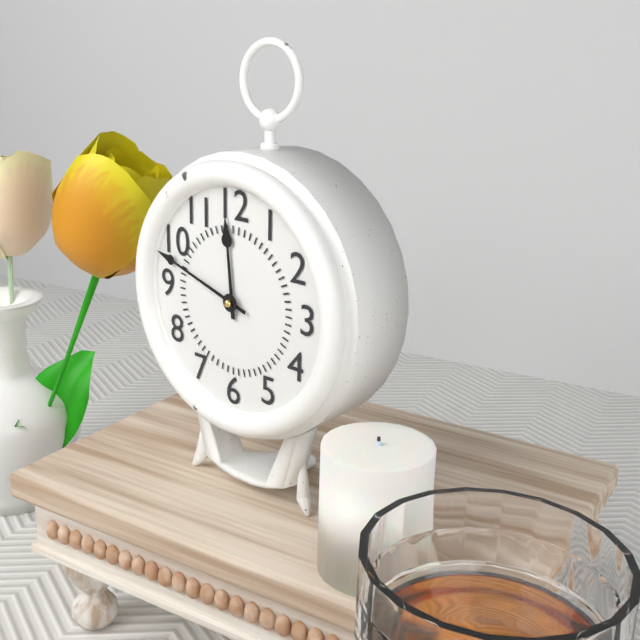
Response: 11:48
